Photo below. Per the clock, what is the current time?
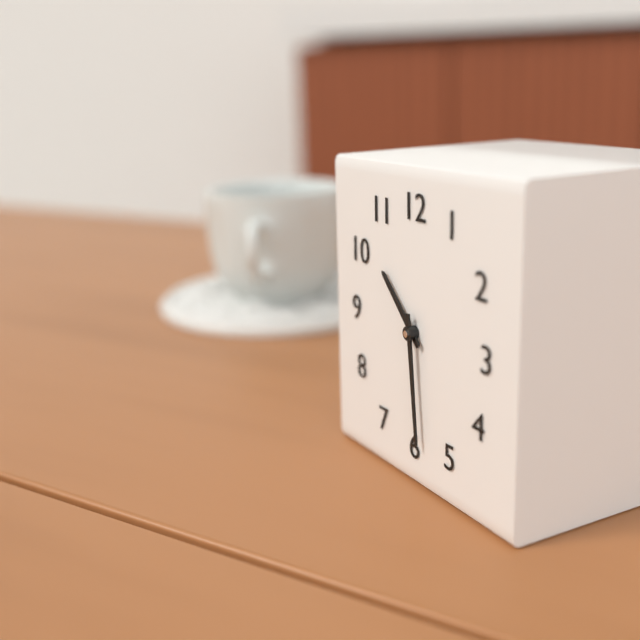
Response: 10:29
